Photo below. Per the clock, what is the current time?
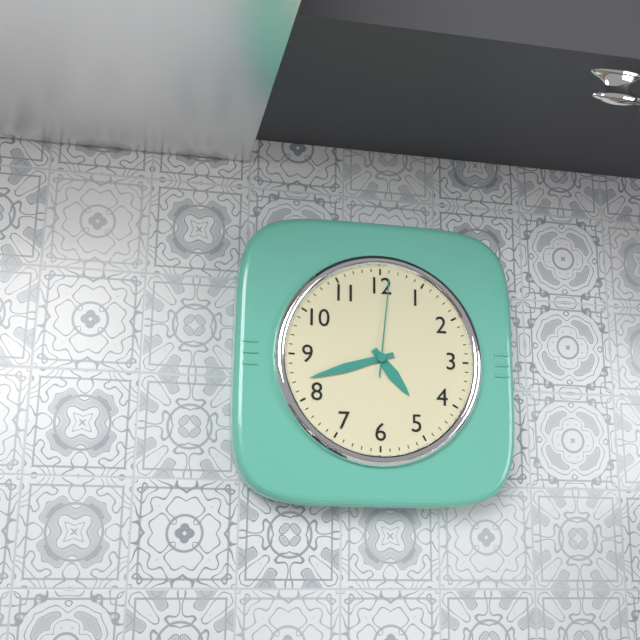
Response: 4:42:01
